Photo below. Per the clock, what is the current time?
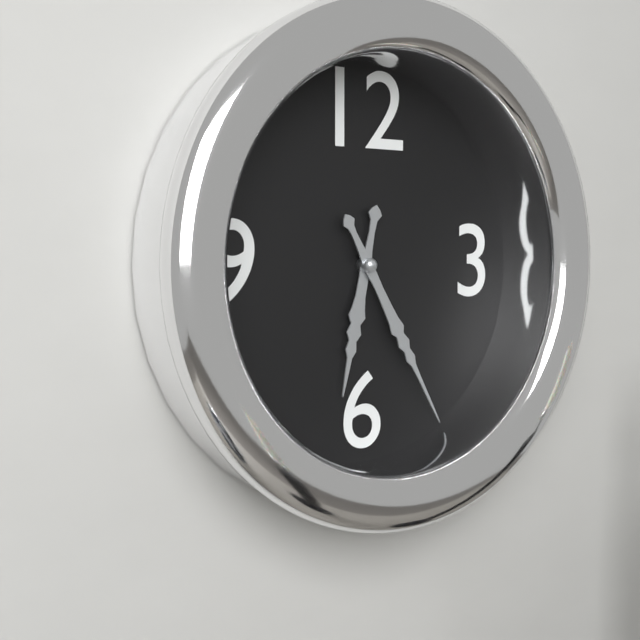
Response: 6:25
